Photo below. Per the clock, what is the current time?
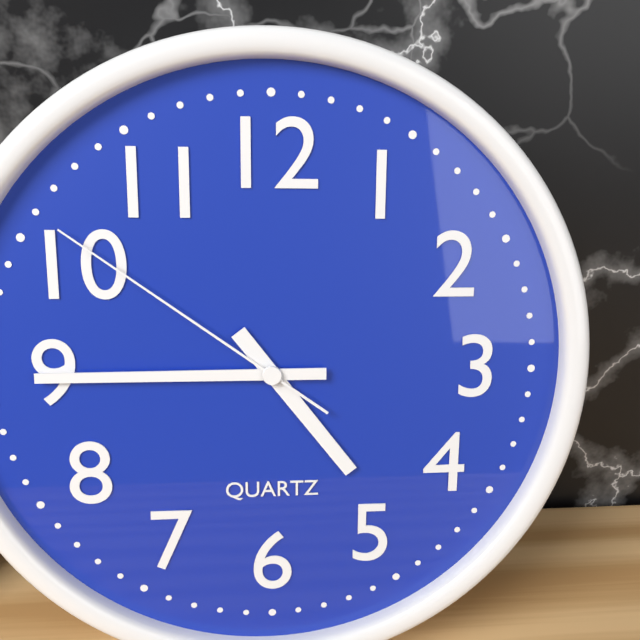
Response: 4:45:51
